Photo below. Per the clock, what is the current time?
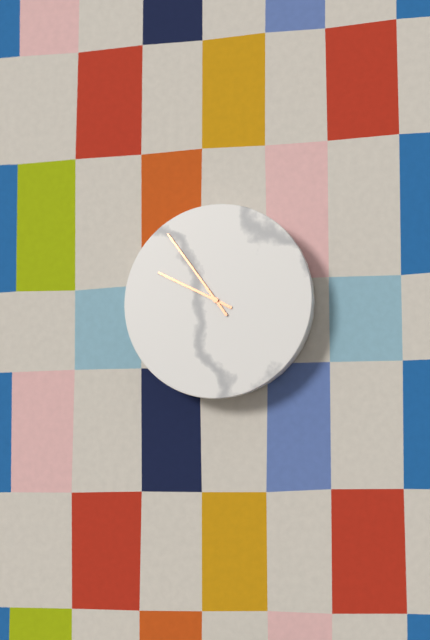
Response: 9:54
